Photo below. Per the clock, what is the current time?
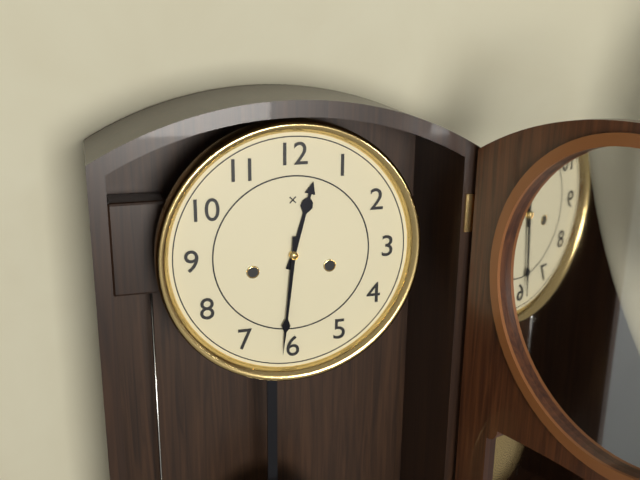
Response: 12:31
